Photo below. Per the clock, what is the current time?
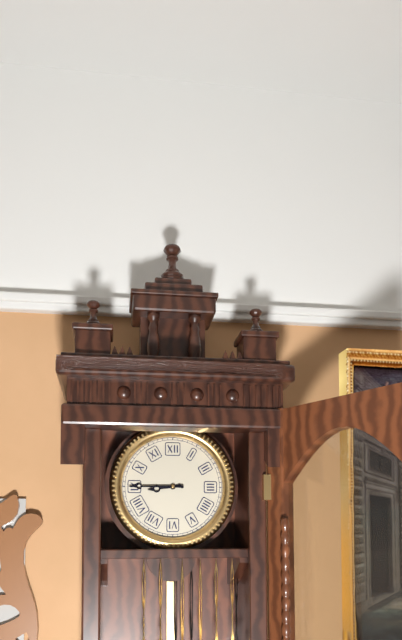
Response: 8:45
